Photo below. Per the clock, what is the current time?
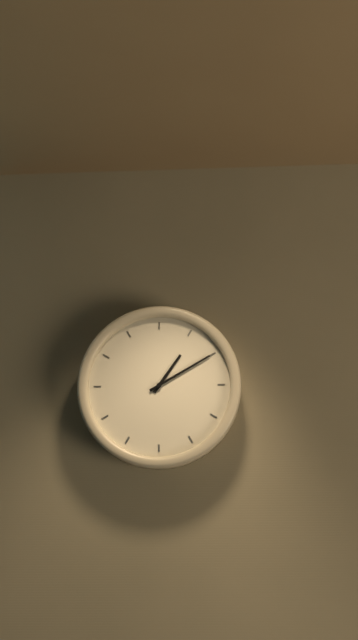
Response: 1:10
